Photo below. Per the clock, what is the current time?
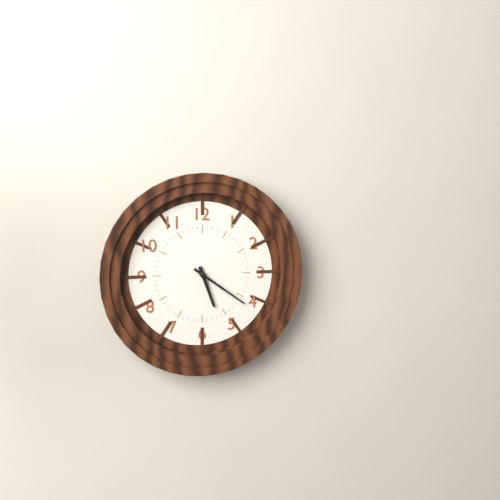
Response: 5:21
